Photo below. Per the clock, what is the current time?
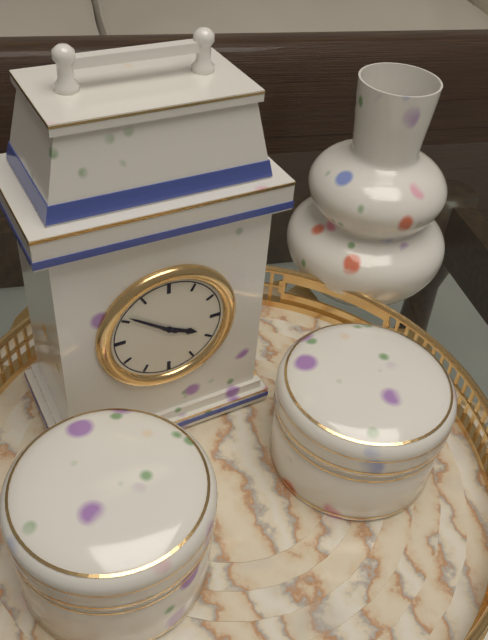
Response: 3:51
